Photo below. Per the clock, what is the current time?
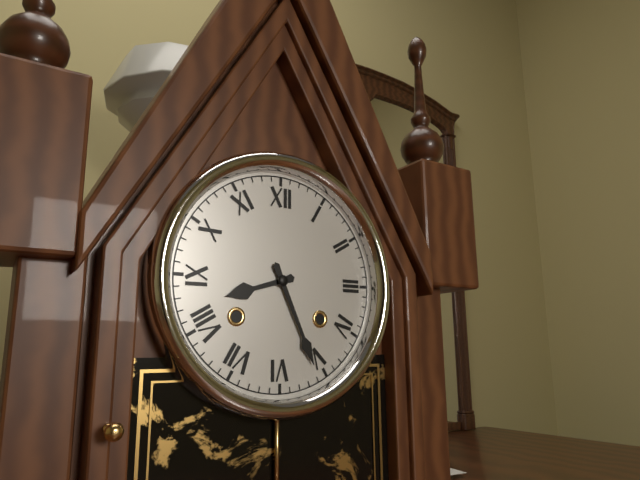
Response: 8:26
